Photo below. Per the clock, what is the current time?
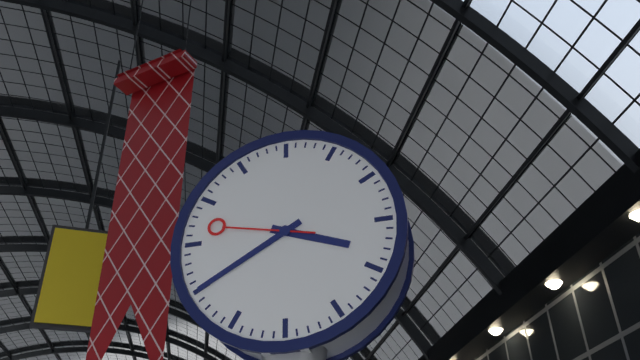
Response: 3:40:47
